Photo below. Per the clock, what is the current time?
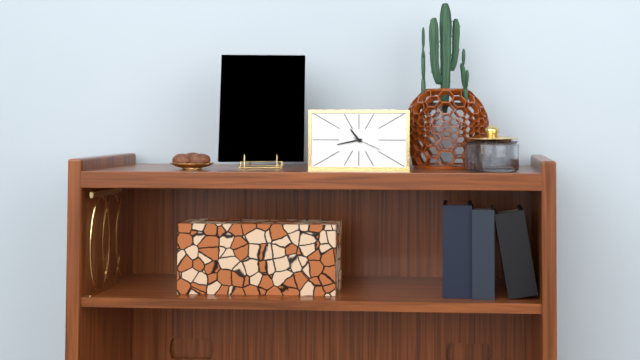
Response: 10:43
